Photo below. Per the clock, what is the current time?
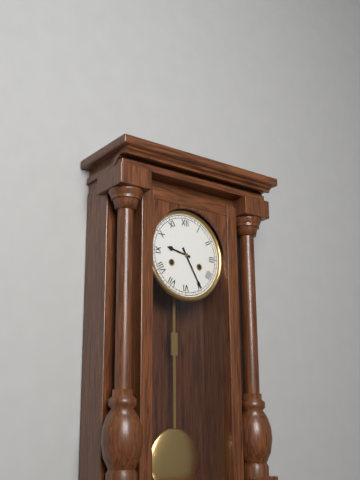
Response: 9:25
